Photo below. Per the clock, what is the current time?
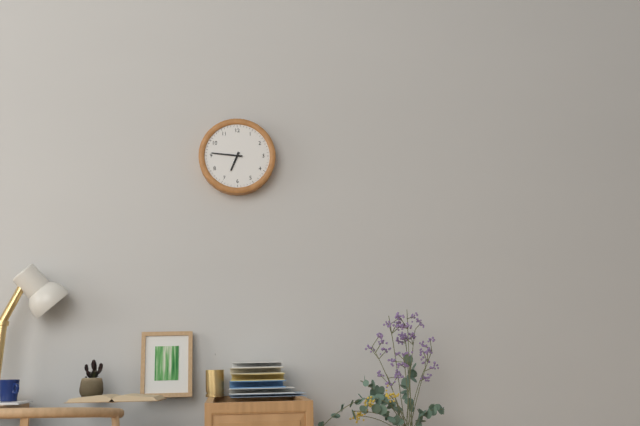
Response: 6:46
